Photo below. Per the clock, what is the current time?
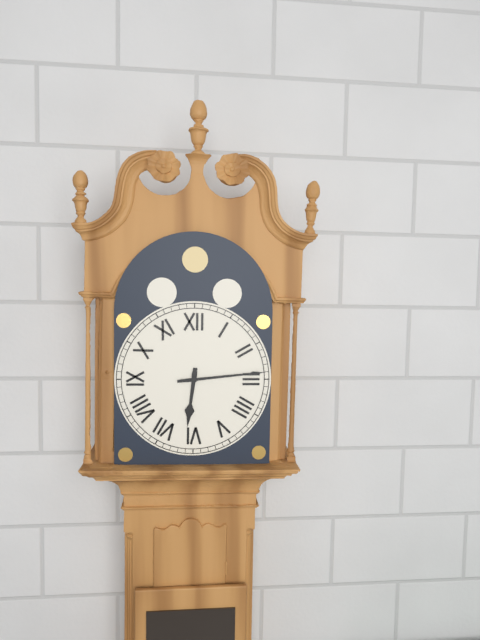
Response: 6:14
